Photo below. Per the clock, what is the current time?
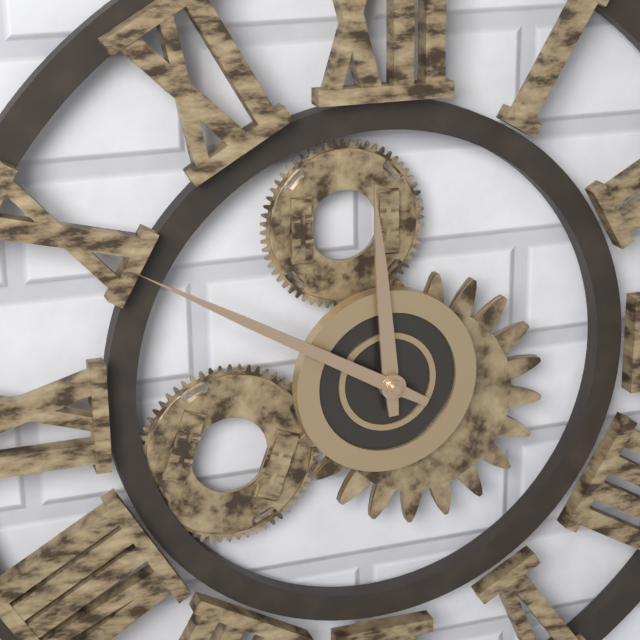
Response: 11:50
